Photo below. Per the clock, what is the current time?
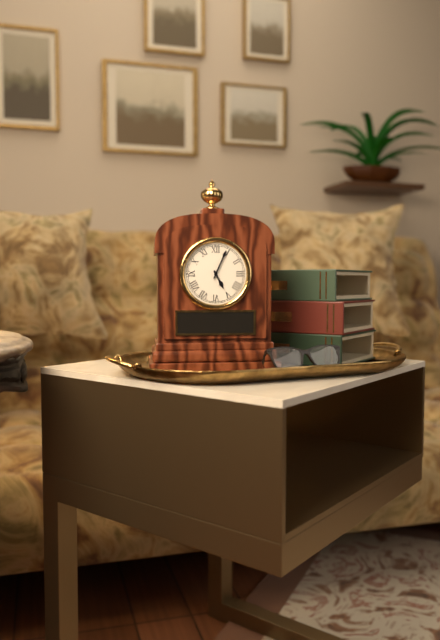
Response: 5:04
